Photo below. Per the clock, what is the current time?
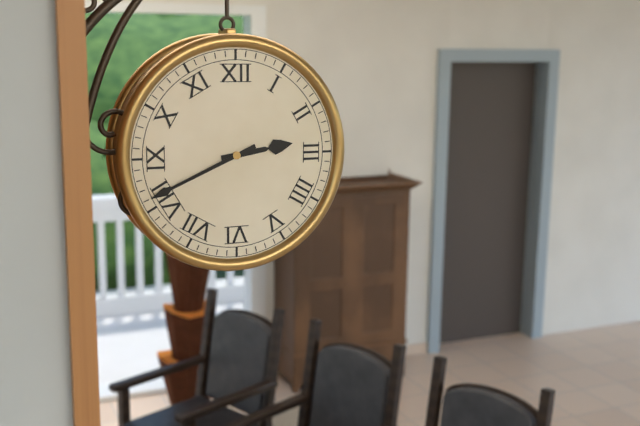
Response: 2:41
